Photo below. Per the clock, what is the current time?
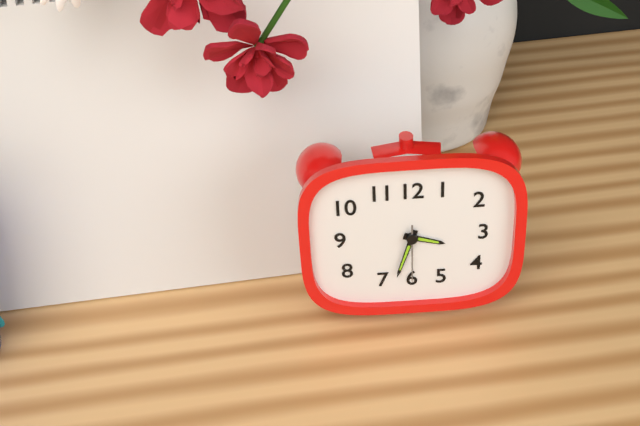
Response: 3:33:30
